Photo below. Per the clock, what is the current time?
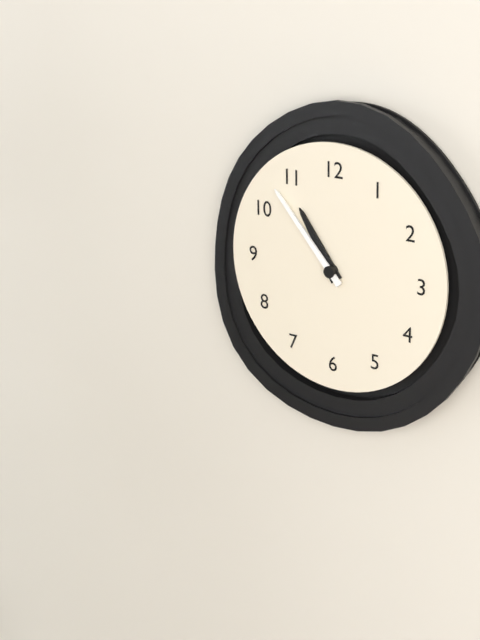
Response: 10:53
